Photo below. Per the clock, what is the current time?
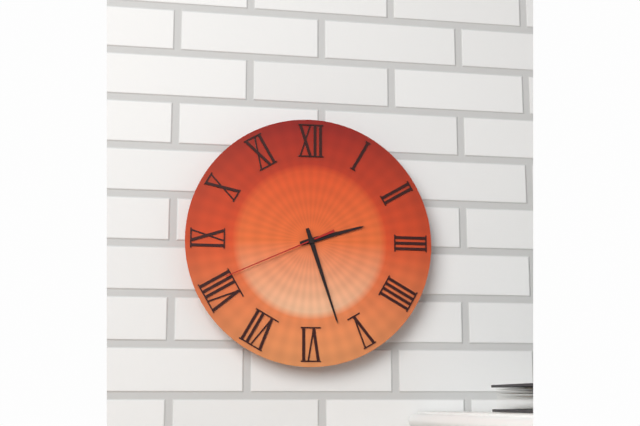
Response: 2:27:41
